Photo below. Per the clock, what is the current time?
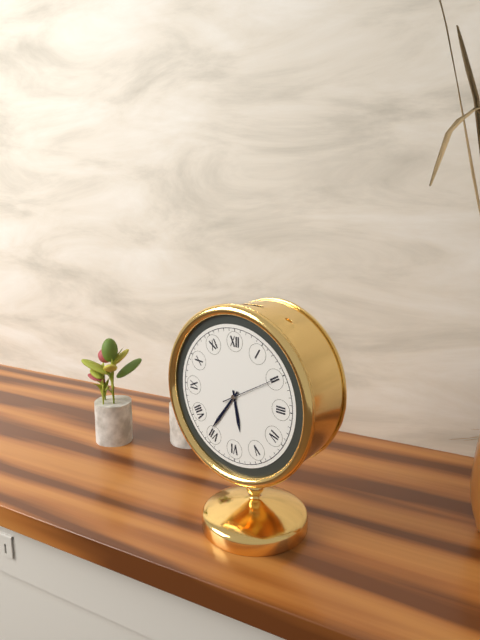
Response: 5:36:10
